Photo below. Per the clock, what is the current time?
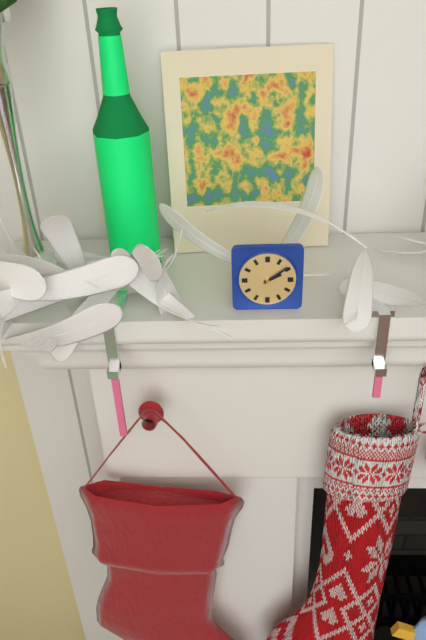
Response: 2:09
